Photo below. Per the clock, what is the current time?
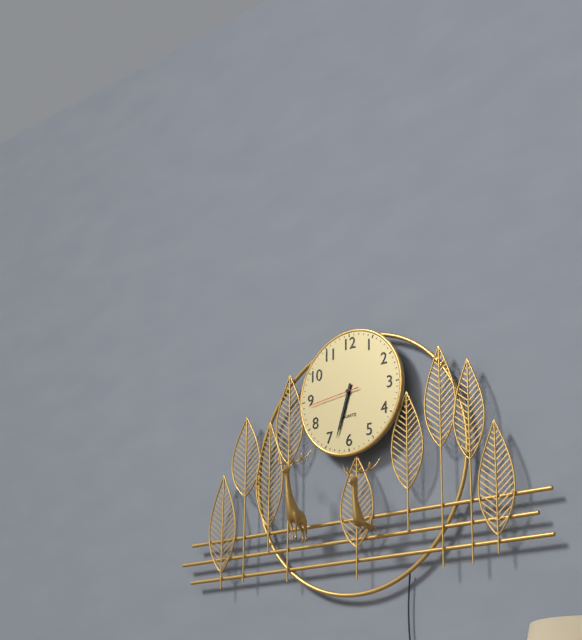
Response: 6:33:44
